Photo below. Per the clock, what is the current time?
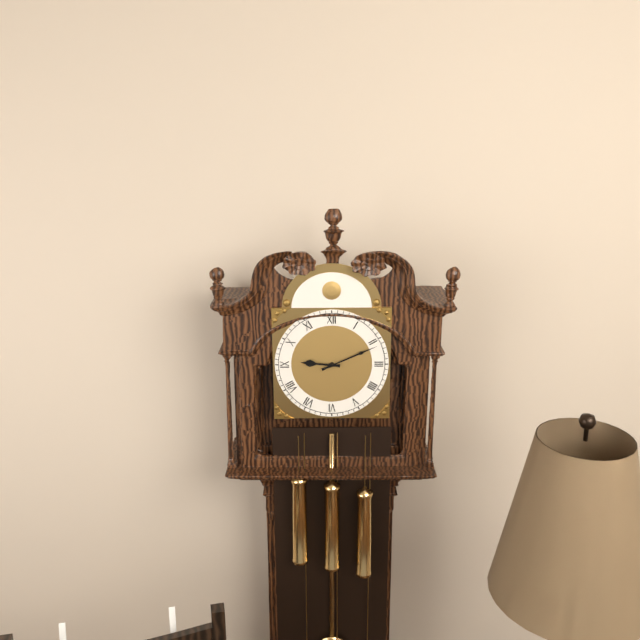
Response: 9:11
